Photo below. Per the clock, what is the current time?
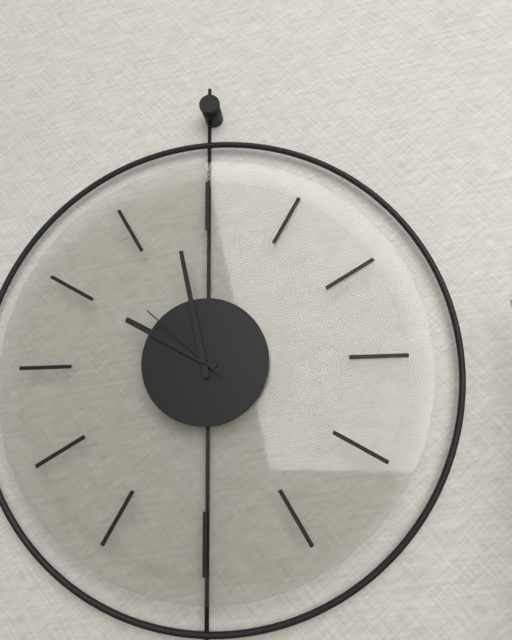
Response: 9:58:52
